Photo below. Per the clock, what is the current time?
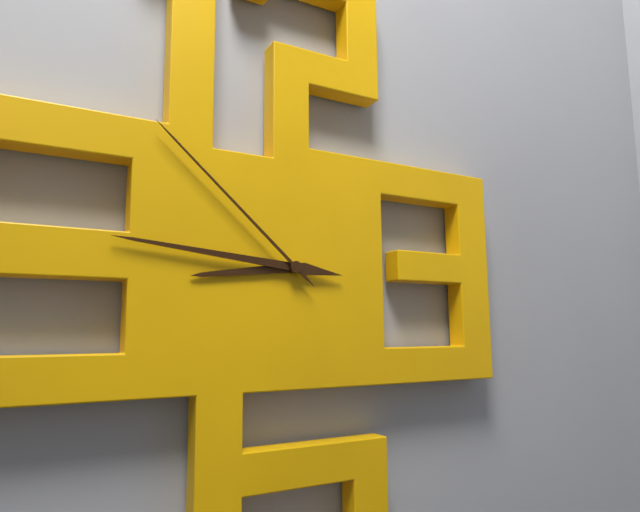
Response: 8:46:52
